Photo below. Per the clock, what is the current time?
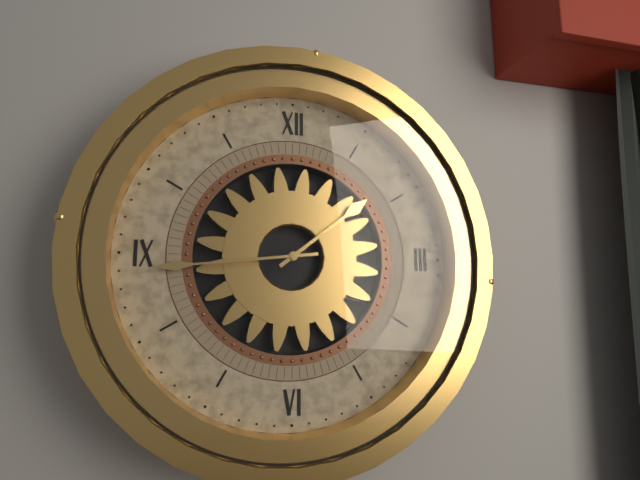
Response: 1:44
